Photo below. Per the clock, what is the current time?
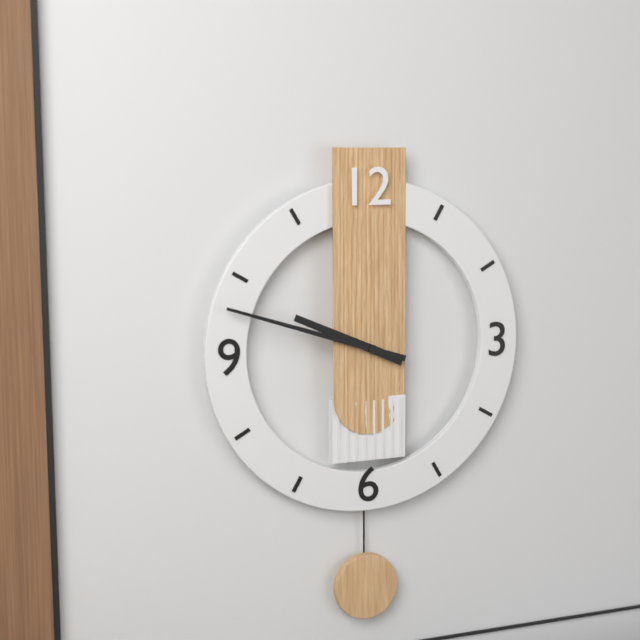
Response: 9:48
